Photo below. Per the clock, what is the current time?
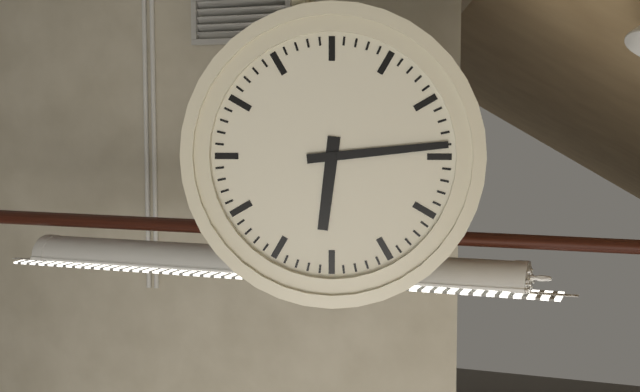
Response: 6:14
